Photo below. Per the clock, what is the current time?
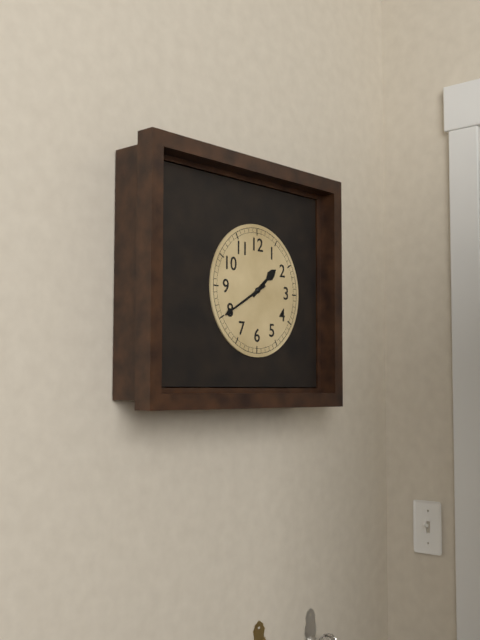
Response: 1:40
